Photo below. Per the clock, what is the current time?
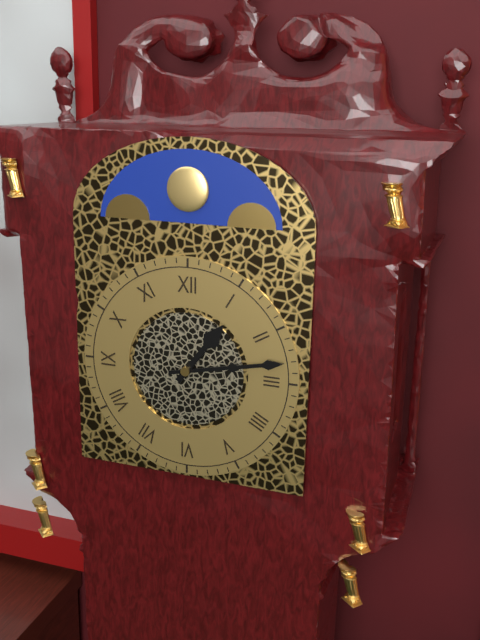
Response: 1:13
